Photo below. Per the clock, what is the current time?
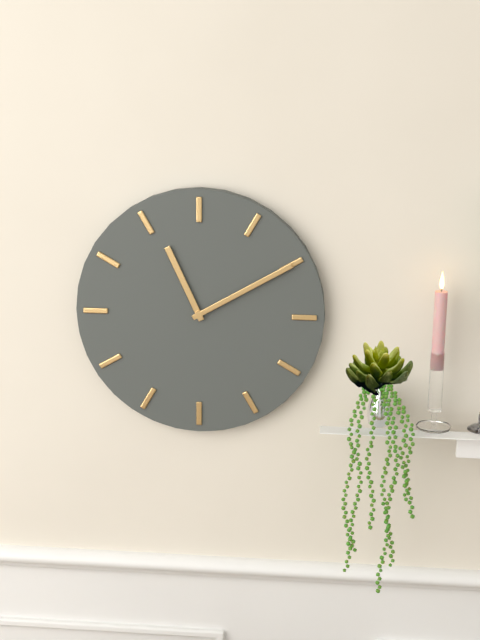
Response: 11:10
